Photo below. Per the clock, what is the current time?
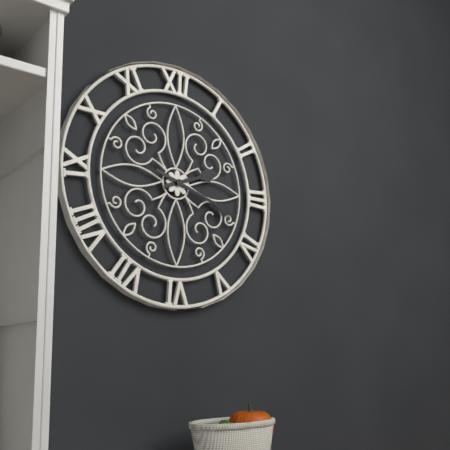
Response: 2:18
